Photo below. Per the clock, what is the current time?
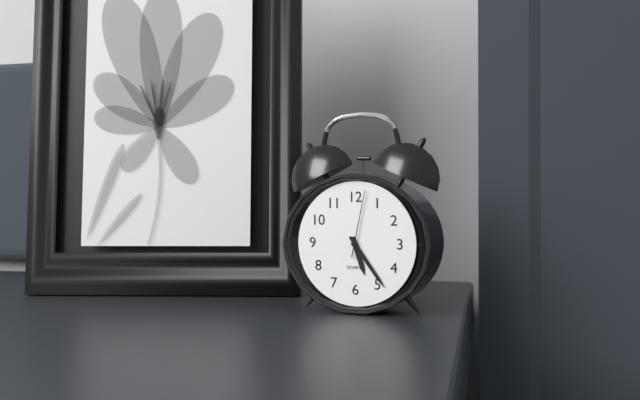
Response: 5:24:02
